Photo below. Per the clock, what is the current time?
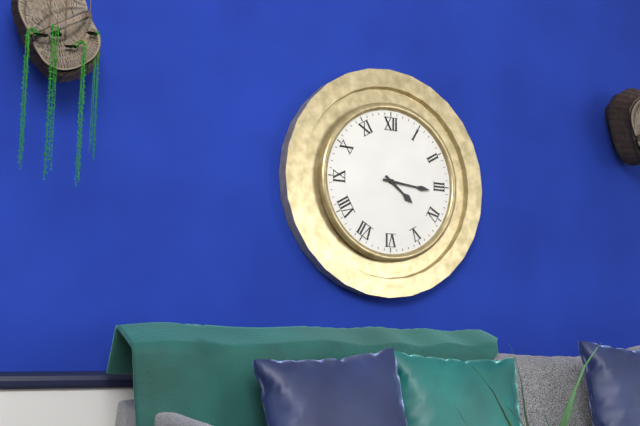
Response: 4:16
